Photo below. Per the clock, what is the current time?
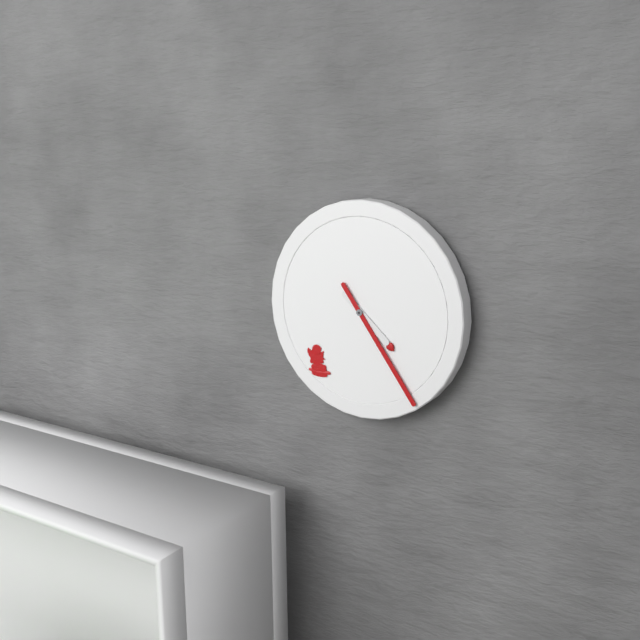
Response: 4:24
